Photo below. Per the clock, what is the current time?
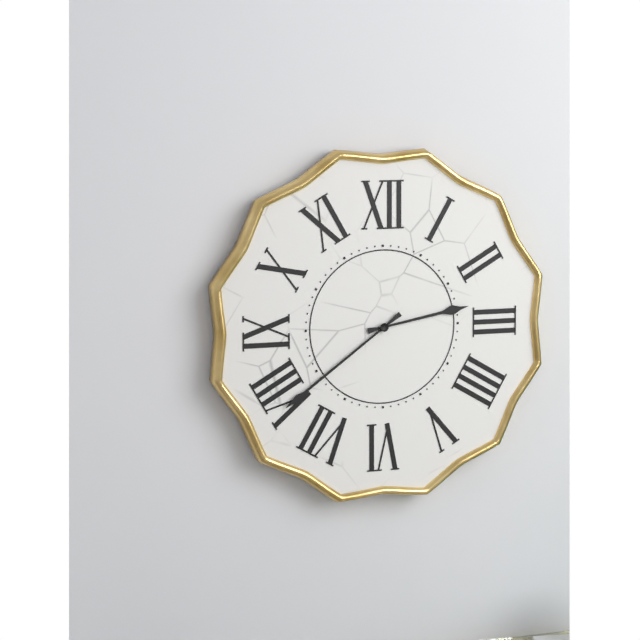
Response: 2:39
